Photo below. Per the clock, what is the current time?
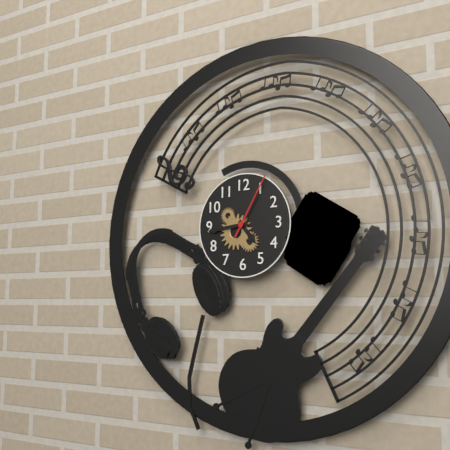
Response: 4:44:05
